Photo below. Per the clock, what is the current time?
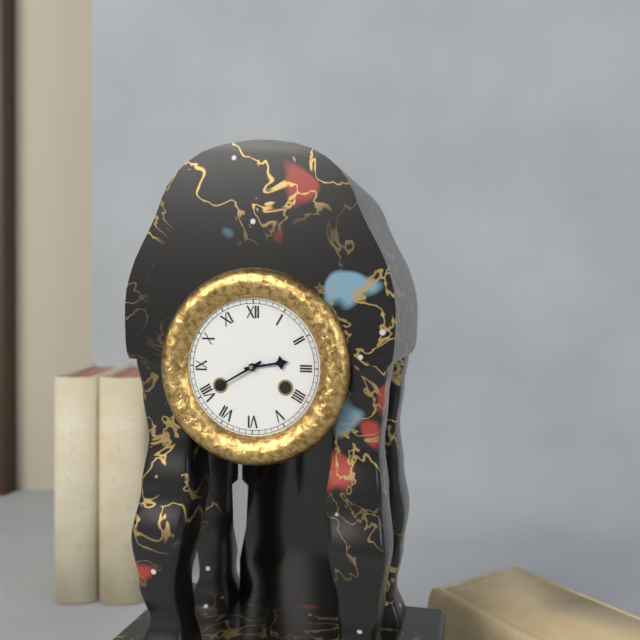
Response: 2:40
